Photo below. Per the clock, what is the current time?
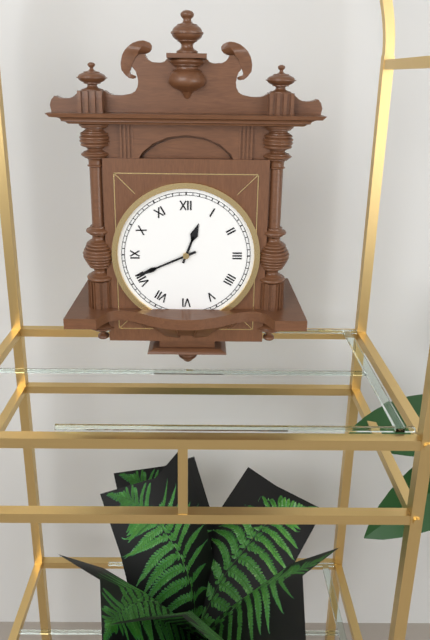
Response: 12:41
